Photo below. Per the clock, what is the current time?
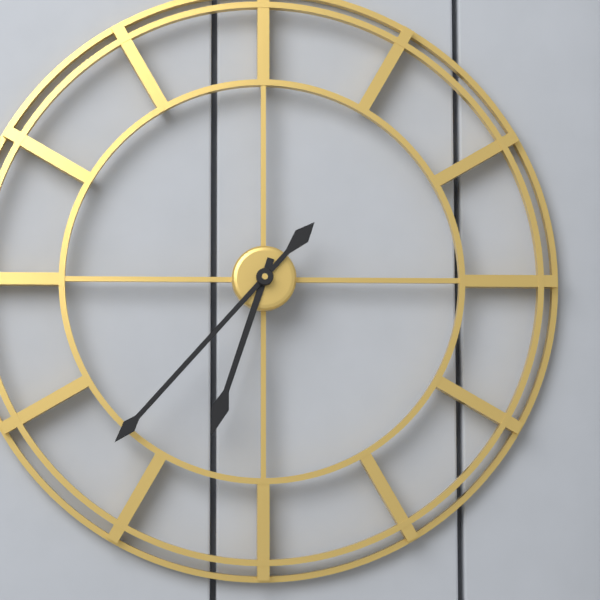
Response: 6:37
